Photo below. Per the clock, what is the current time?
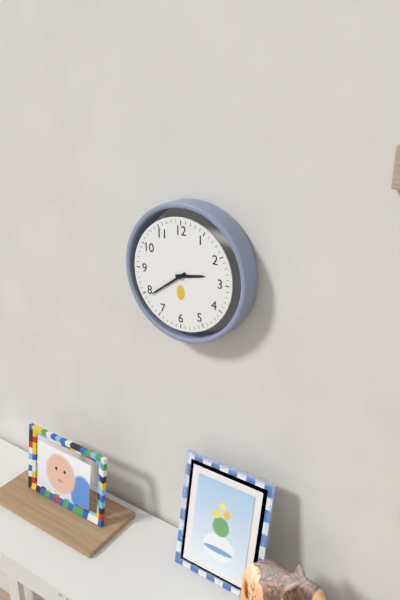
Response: 2:39
